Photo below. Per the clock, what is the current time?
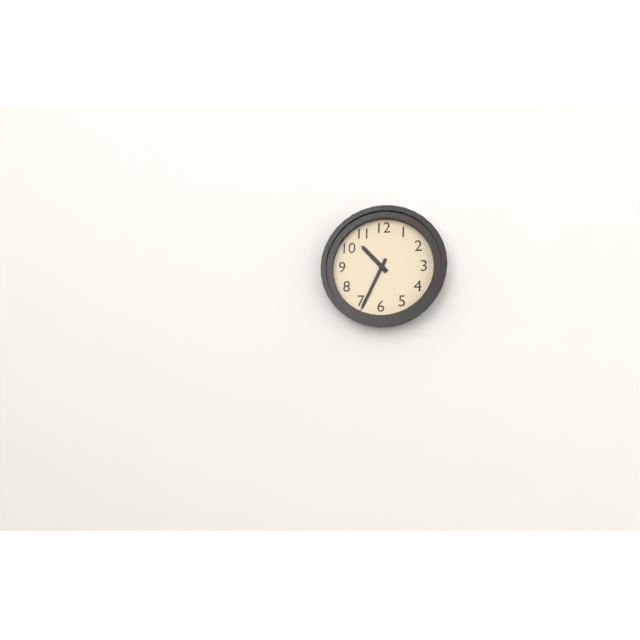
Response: 10:34
